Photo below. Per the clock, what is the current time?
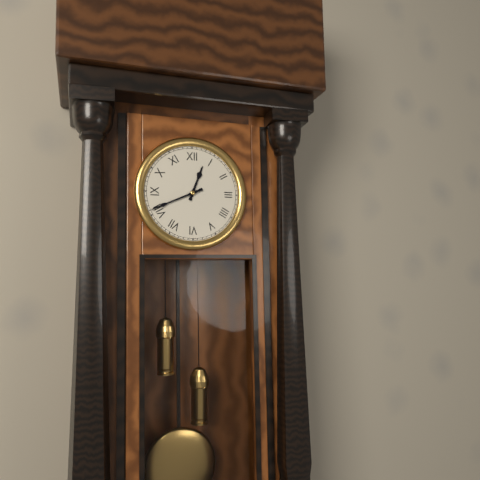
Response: 12:41
